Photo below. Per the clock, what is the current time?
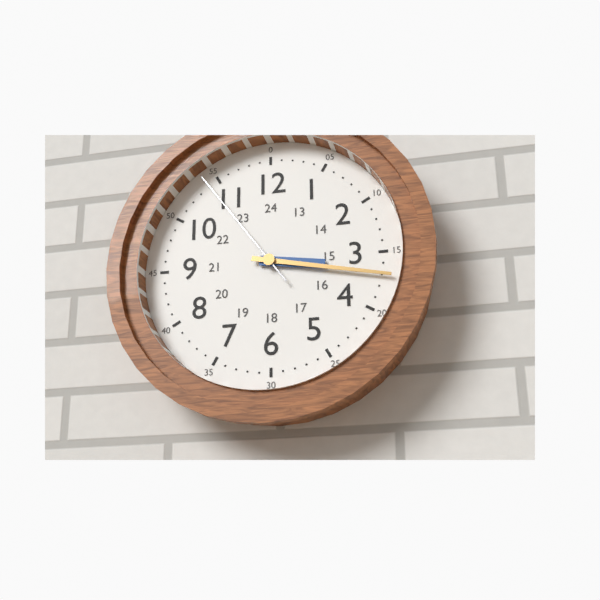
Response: 3:17:54
